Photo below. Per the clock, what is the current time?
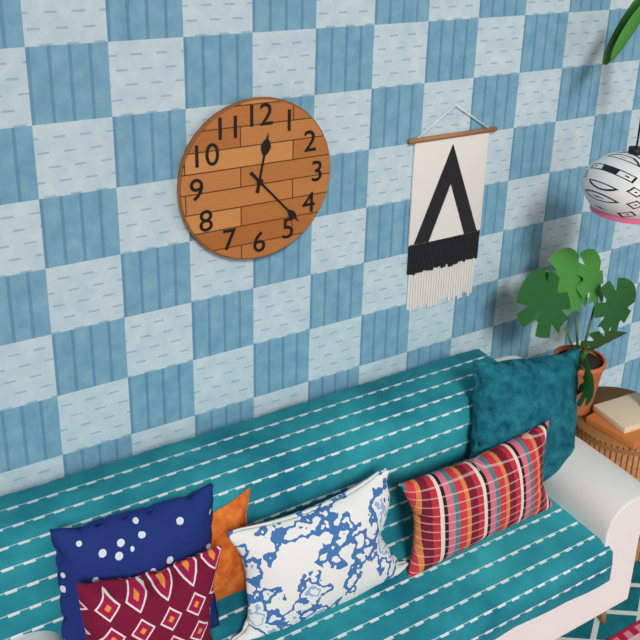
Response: 12:23
